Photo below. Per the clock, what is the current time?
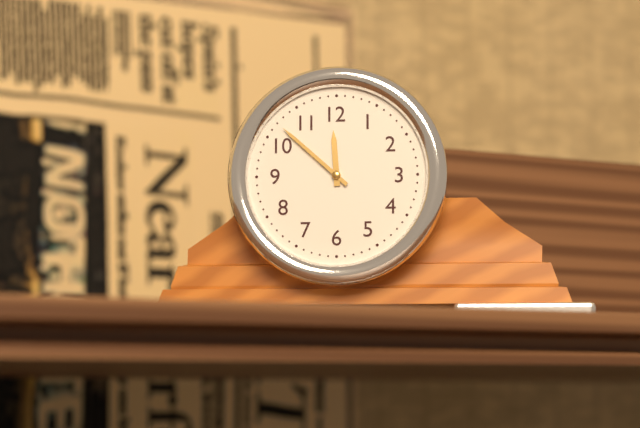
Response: 11:52
